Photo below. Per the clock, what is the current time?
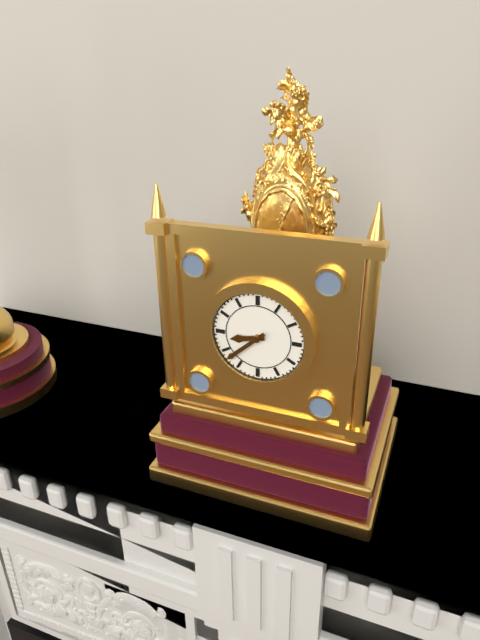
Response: 8:38
